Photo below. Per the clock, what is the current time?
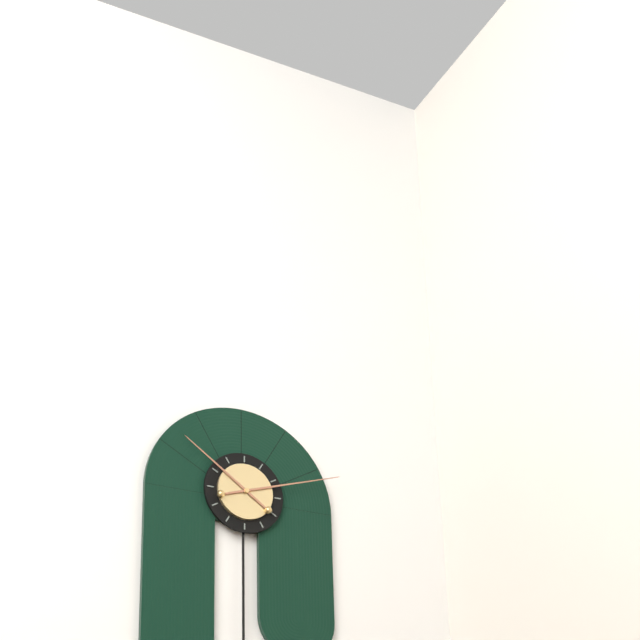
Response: 10:12
